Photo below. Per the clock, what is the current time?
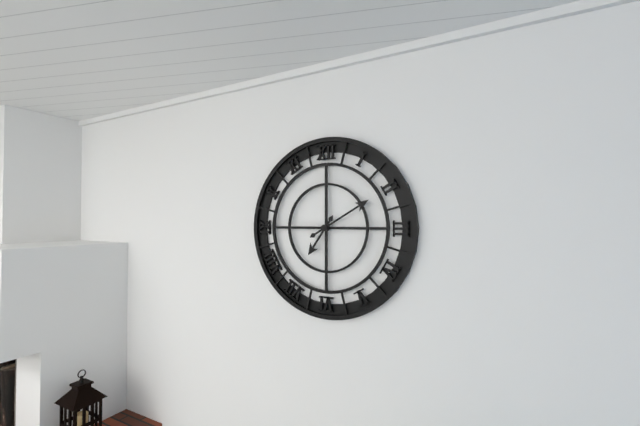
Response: 7:10
